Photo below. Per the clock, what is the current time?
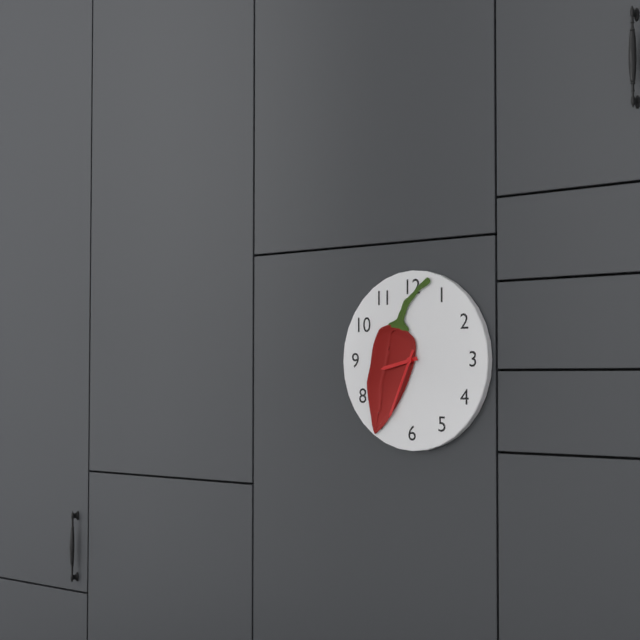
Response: 8:34
